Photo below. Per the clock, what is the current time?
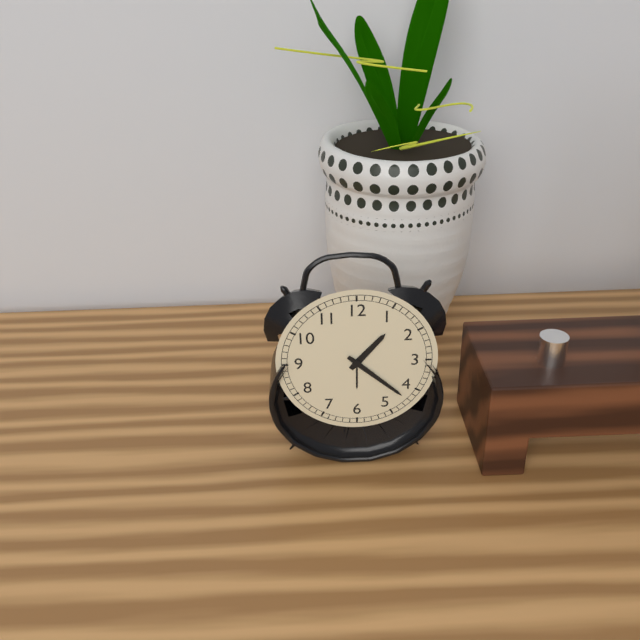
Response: 1:22
